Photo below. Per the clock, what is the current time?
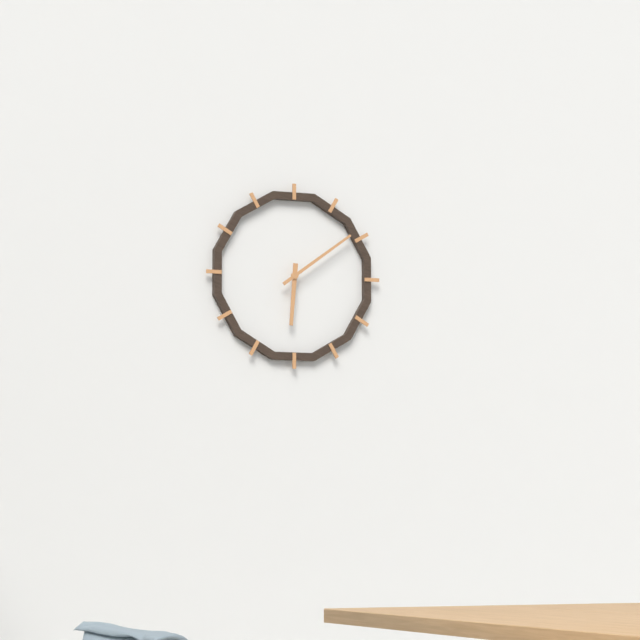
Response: 6:09
